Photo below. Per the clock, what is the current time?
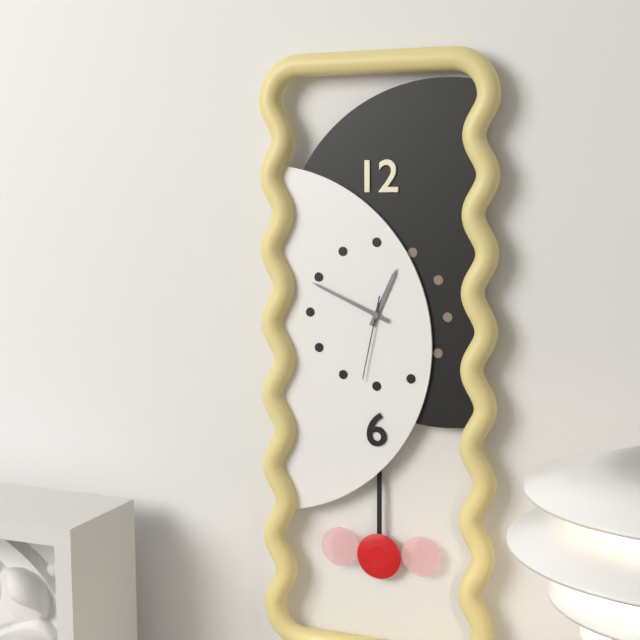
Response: 12:49:32
